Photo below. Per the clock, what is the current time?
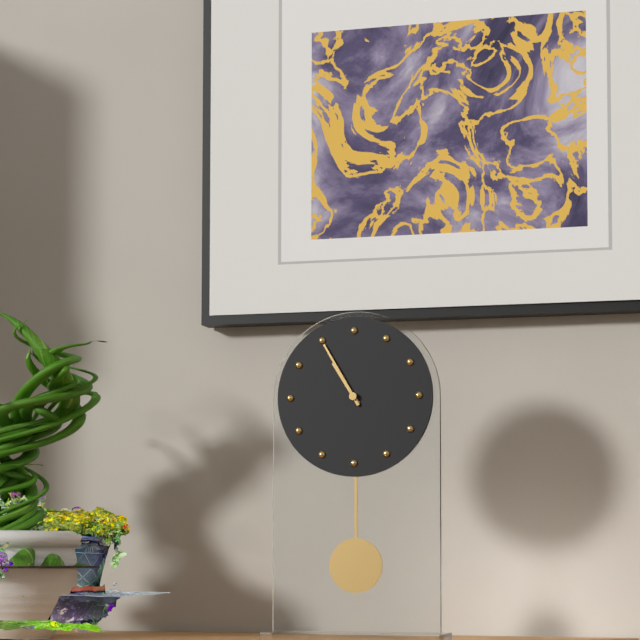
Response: 10:55
